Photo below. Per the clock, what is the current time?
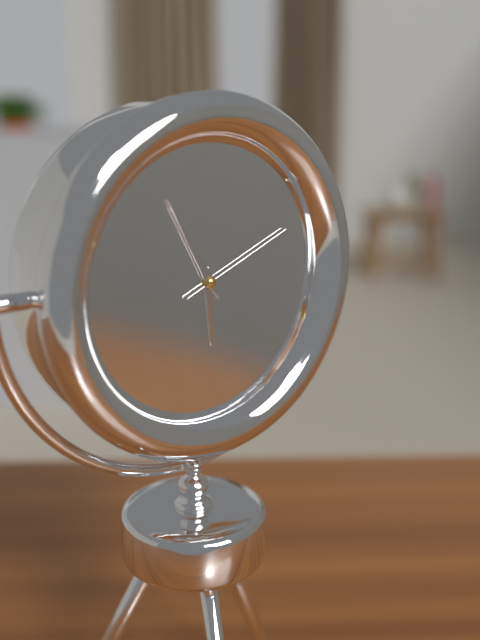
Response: 5:55:11
